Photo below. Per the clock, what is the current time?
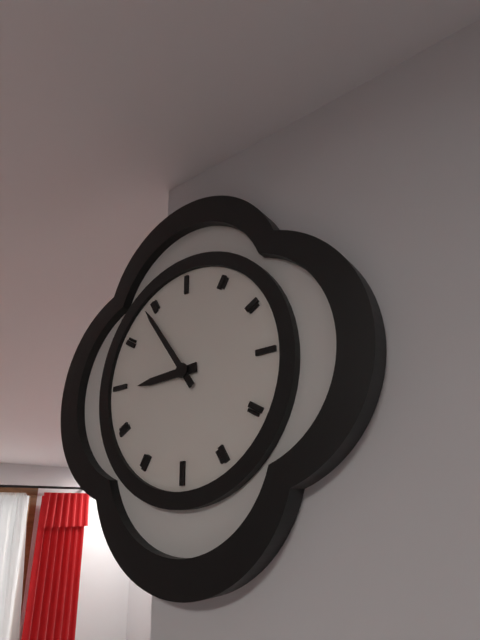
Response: 8:54
